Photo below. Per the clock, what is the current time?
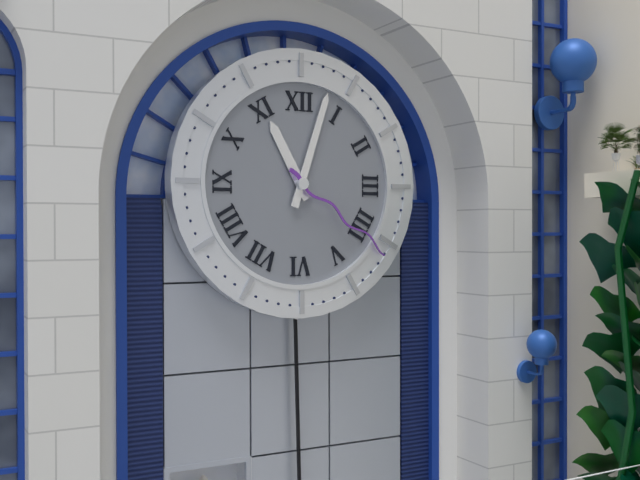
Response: 11:03:21
